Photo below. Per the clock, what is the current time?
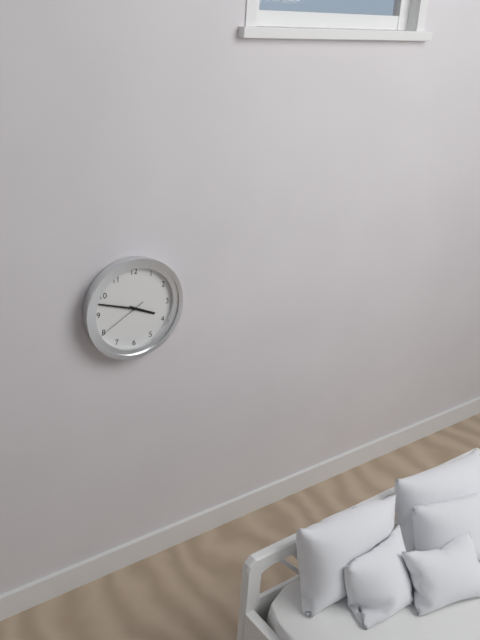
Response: 3:48:40
